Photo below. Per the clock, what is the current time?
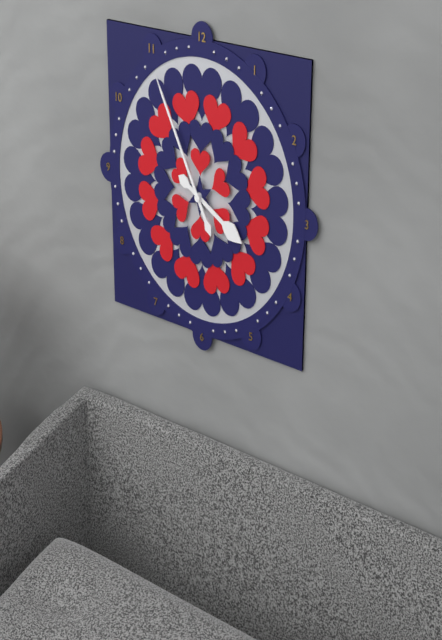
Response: 3:55
